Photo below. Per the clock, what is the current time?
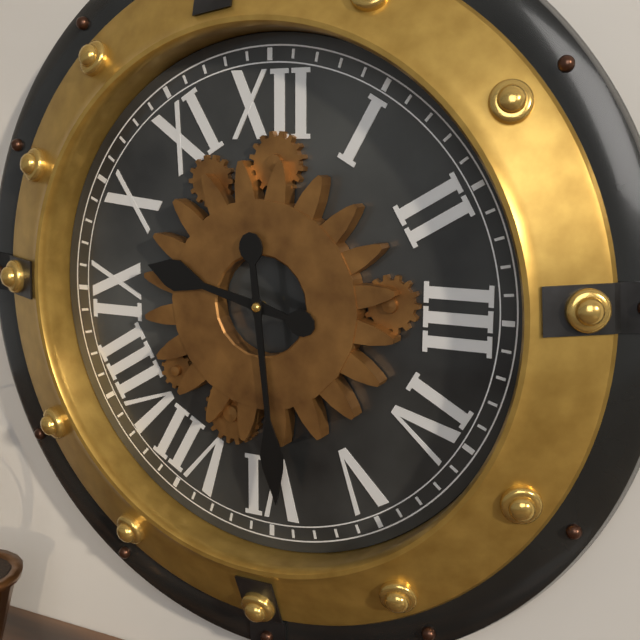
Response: 9:29
